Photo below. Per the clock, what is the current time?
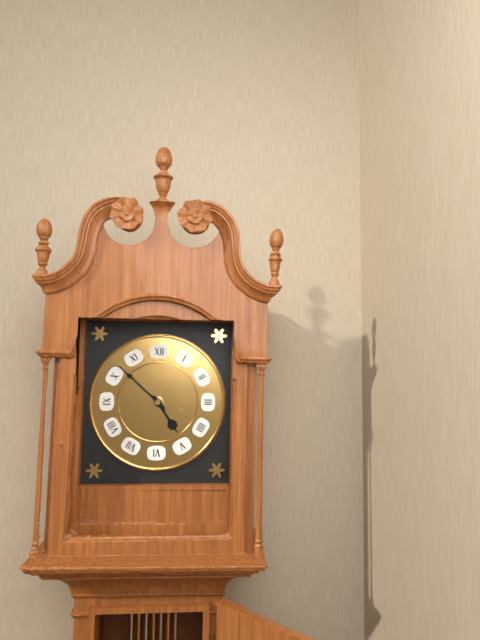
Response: 4:52
